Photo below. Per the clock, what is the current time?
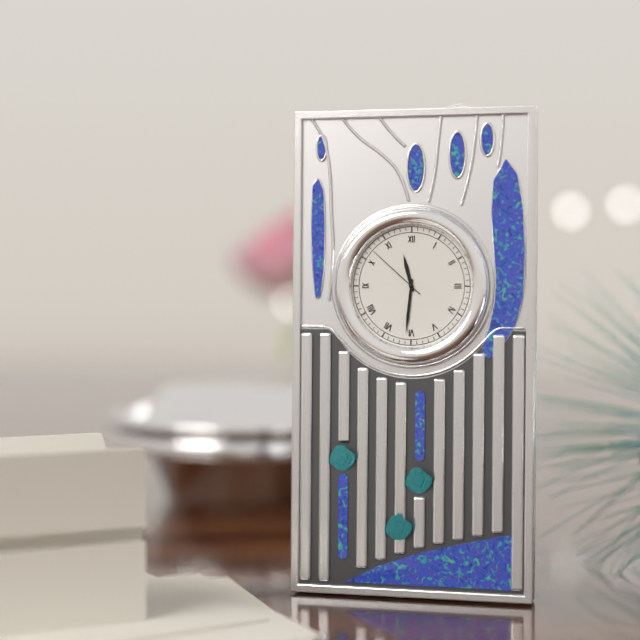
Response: 11:31:52
